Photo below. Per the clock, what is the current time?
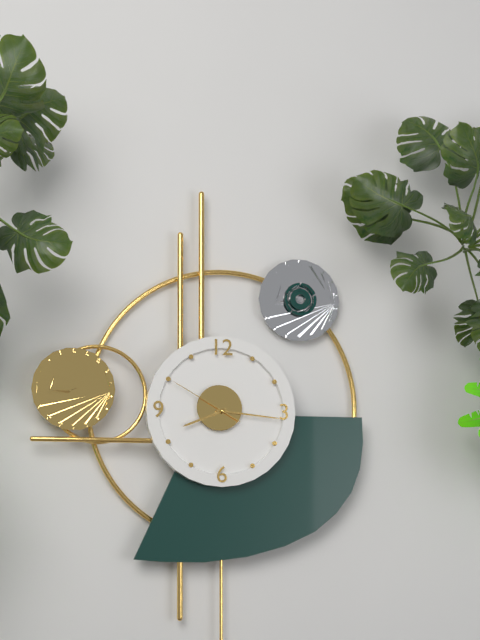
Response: 8:16:50
